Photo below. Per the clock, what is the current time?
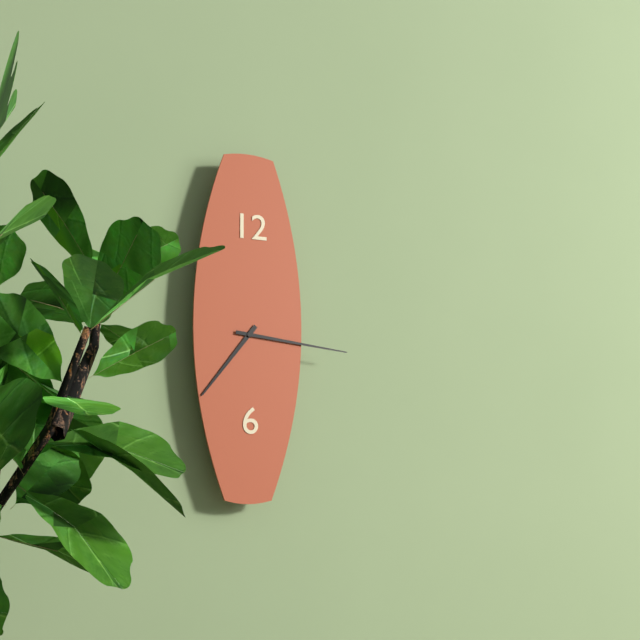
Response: 7:16
